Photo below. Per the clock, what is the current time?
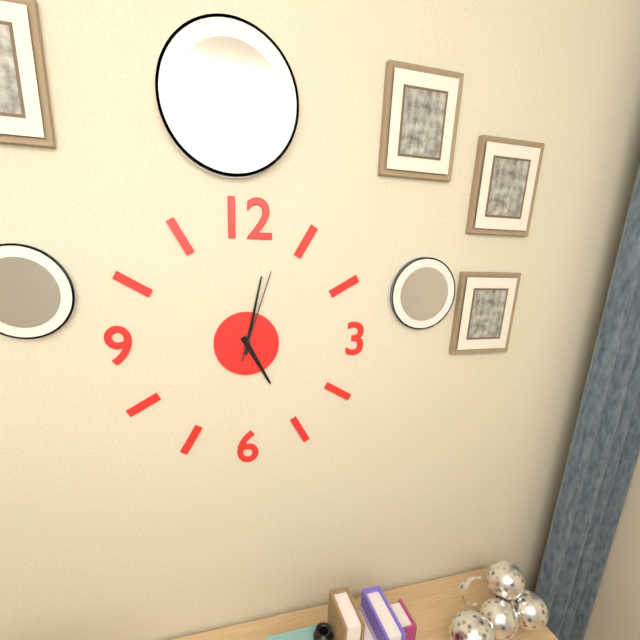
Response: 5:02:03
